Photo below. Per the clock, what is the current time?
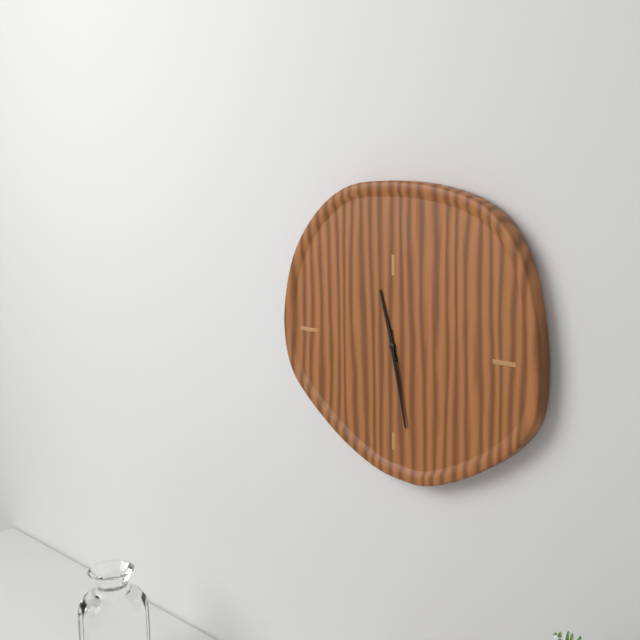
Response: 11:28
